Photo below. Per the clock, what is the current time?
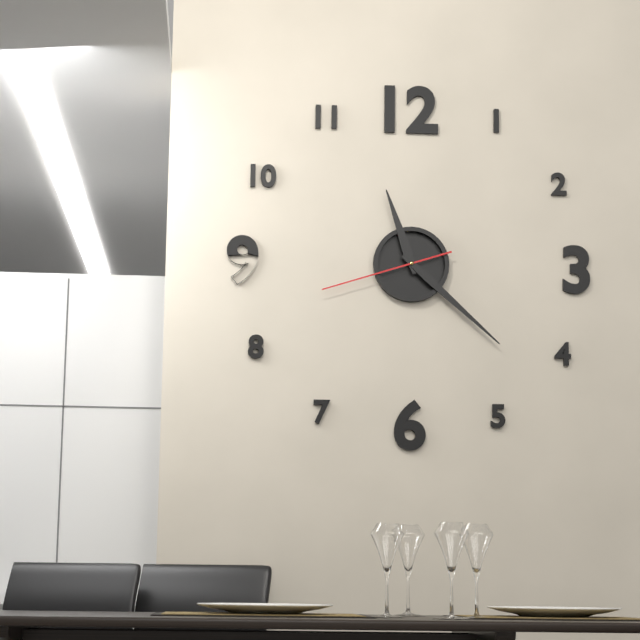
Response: 11:22:42
